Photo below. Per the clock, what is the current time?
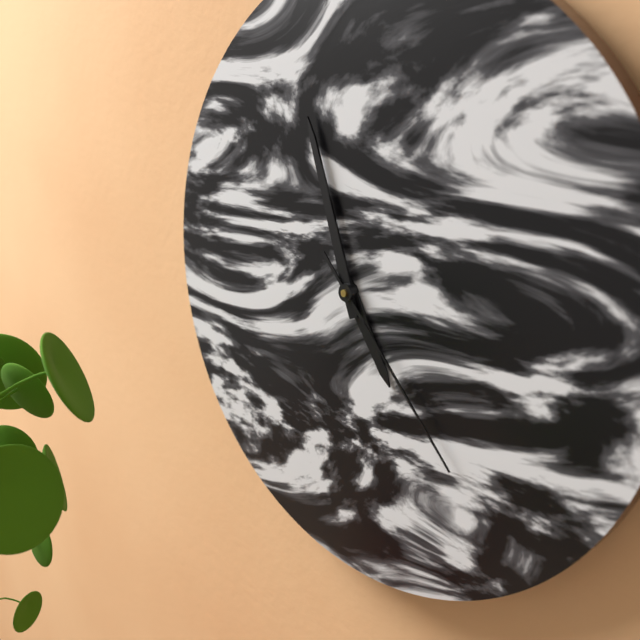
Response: 4:57:23
